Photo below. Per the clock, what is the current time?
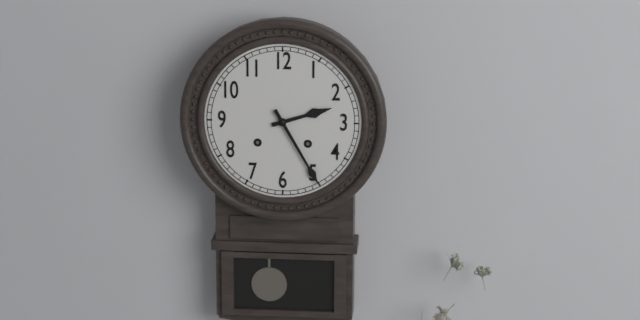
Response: 2:25
